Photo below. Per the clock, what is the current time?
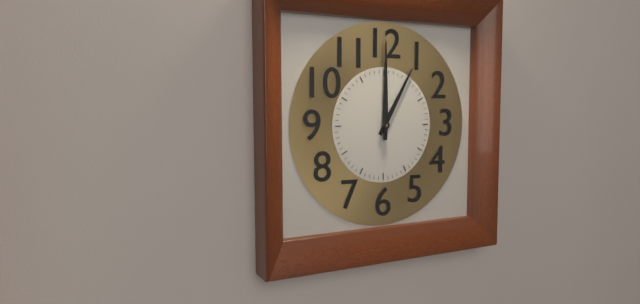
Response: 1:00
